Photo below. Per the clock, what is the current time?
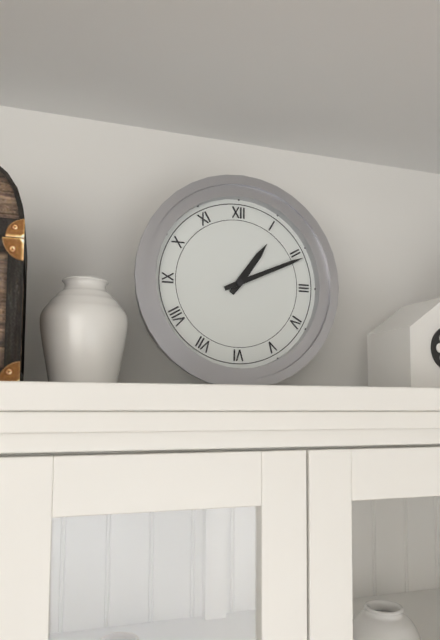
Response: 1:11
